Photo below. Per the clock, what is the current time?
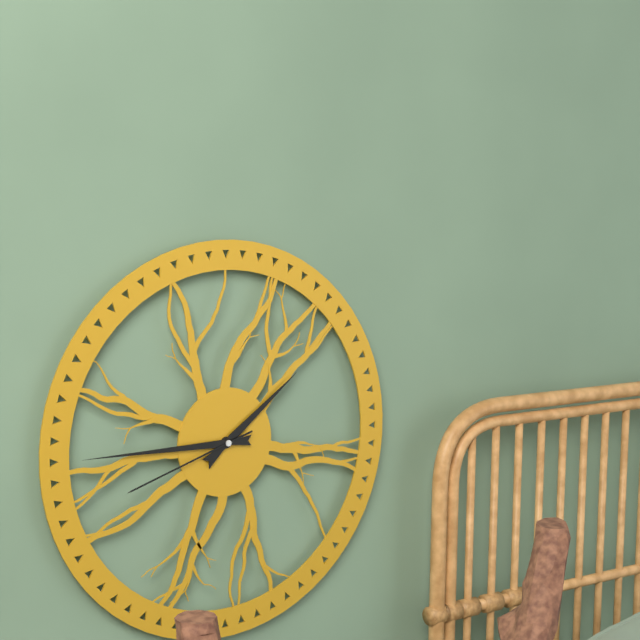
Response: 1:45:42
